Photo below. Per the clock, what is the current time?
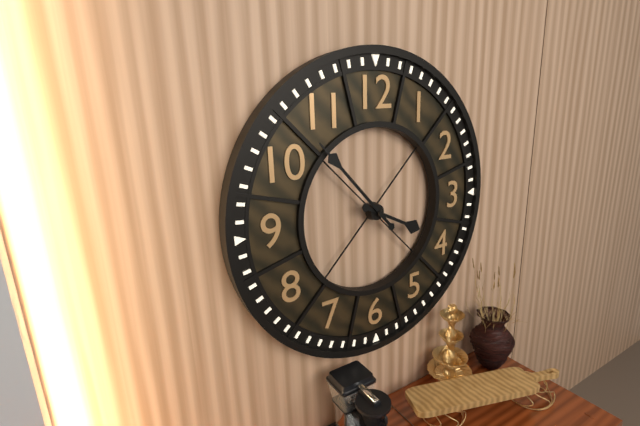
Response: 3:53
